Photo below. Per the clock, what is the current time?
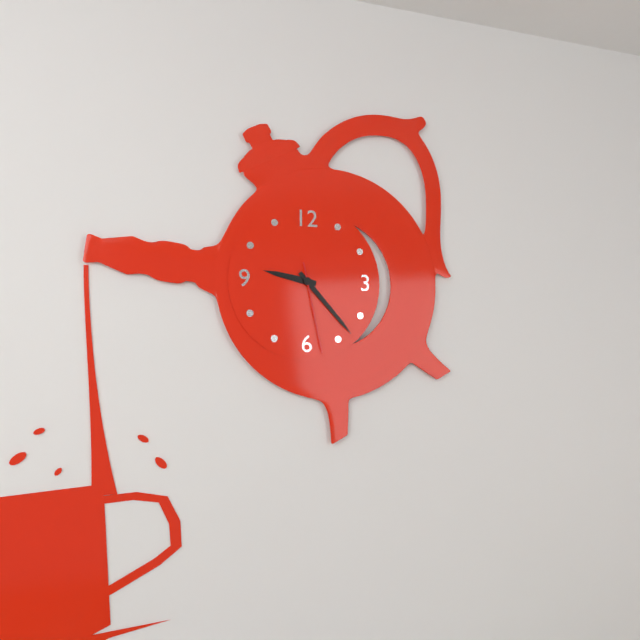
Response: 9:23:28
